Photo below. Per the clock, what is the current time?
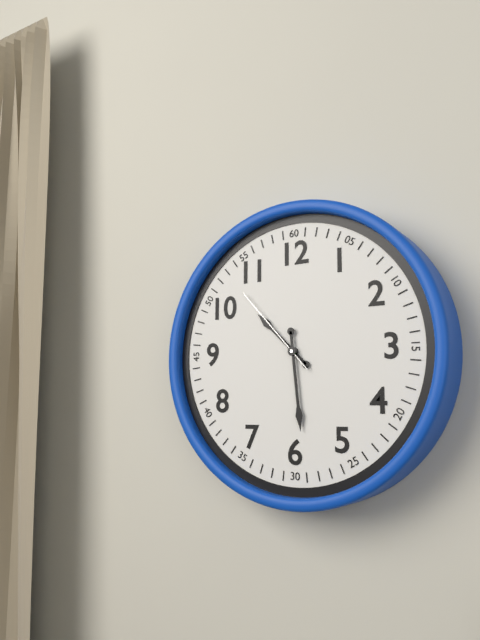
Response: 10:29:53
